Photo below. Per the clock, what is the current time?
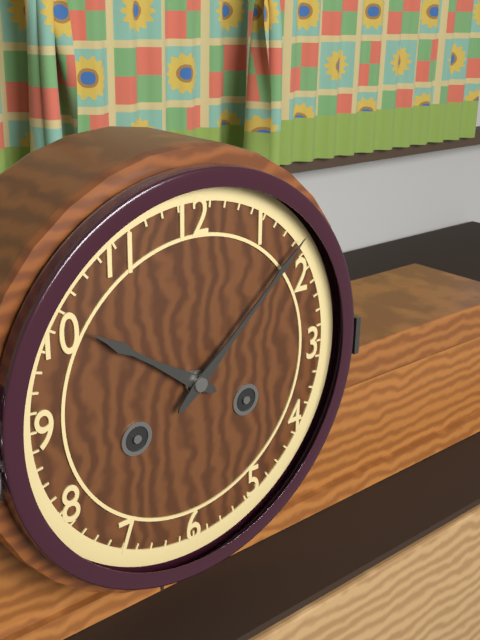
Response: 10:08
